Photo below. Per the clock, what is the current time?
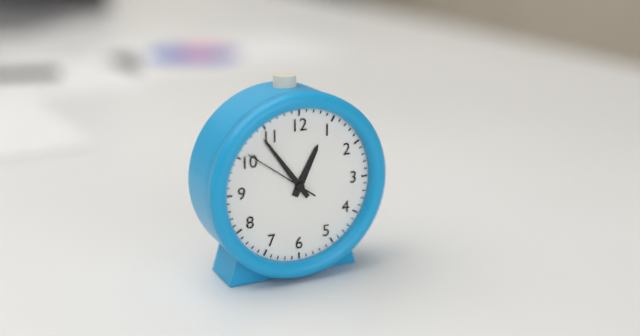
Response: 12:54:51
